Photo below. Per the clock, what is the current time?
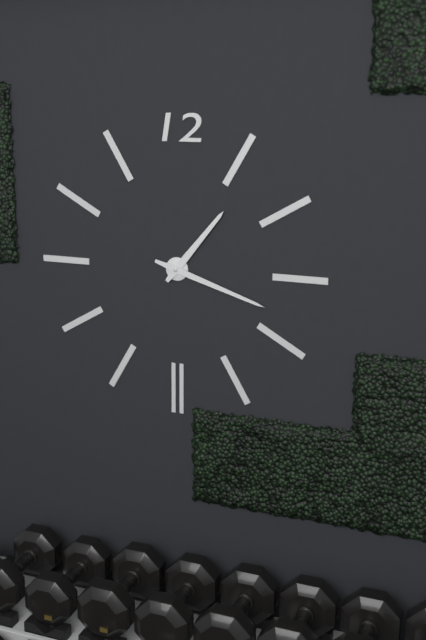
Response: 1:18
